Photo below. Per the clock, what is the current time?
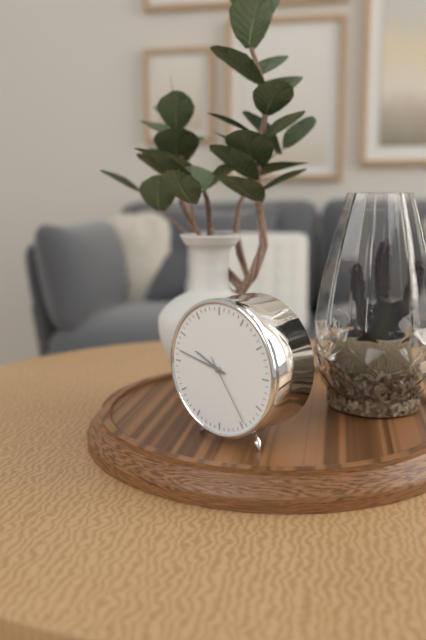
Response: 9:47:24
